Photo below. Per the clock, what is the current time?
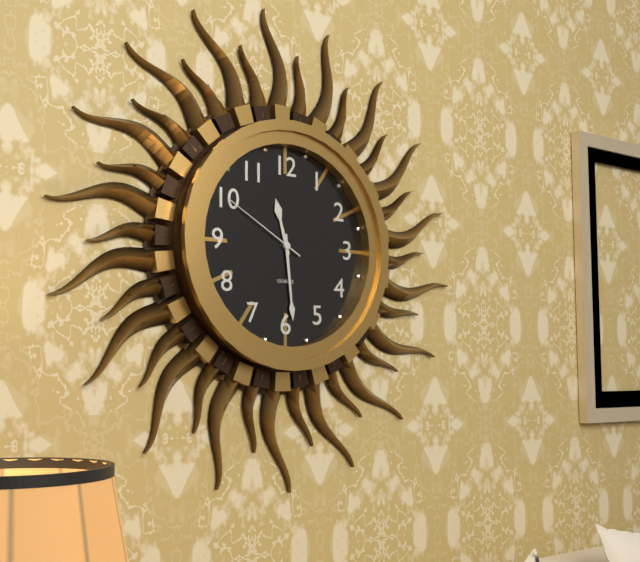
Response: 11:29:50
